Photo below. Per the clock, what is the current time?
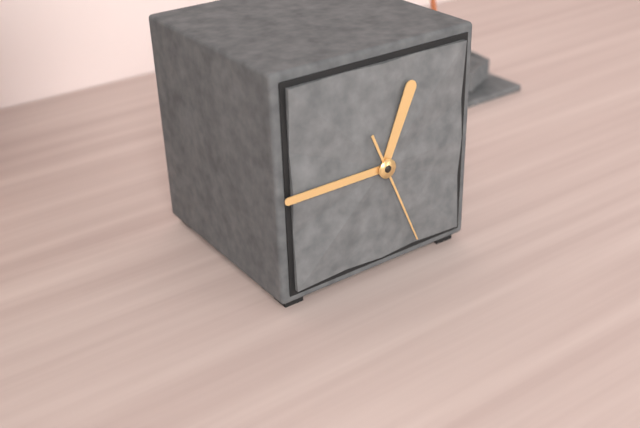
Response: 12:45:26
